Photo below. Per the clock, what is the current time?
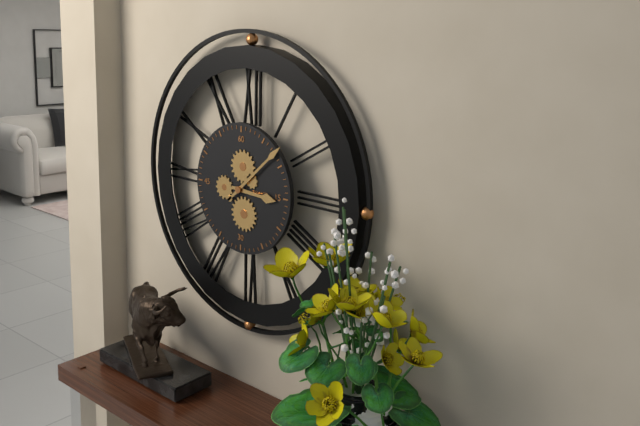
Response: 3:08
